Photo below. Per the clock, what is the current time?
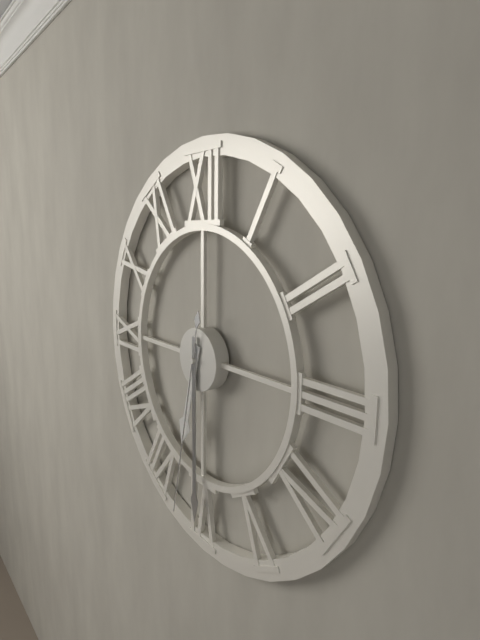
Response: 6:30:32
